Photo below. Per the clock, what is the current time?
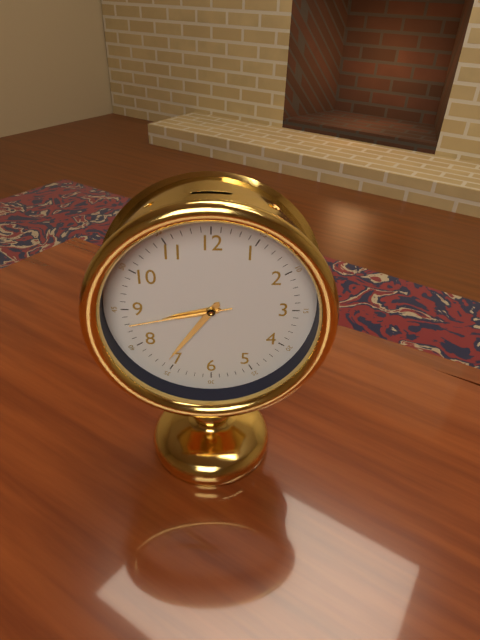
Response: 8:36:43
